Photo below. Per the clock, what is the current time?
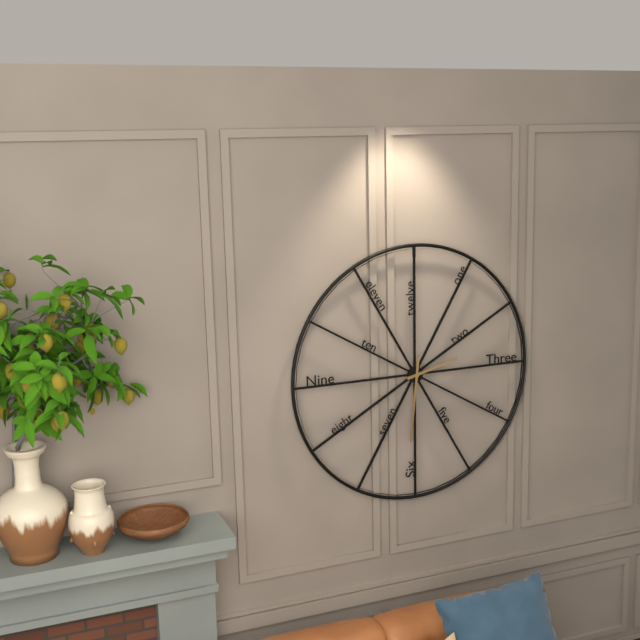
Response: 2:31
